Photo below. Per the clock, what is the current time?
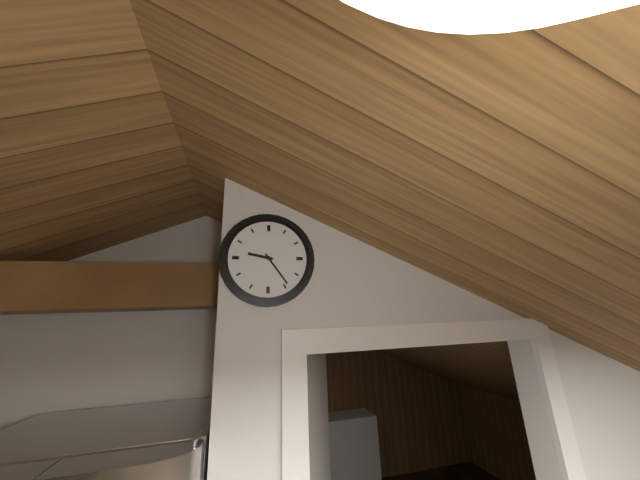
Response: 9:24
